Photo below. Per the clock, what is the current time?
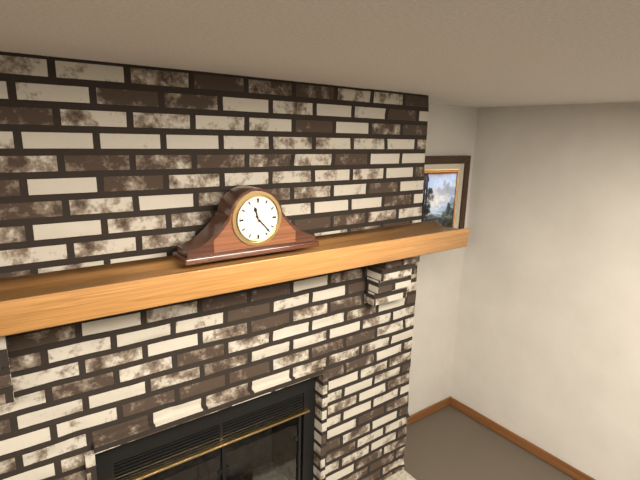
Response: 11:23
